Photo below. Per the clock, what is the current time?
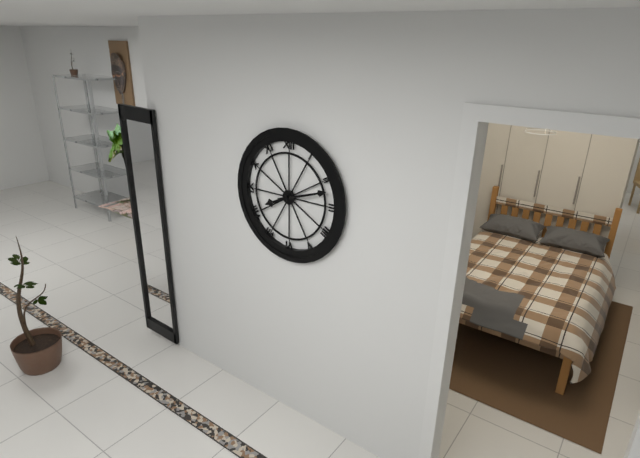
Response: 8:12
